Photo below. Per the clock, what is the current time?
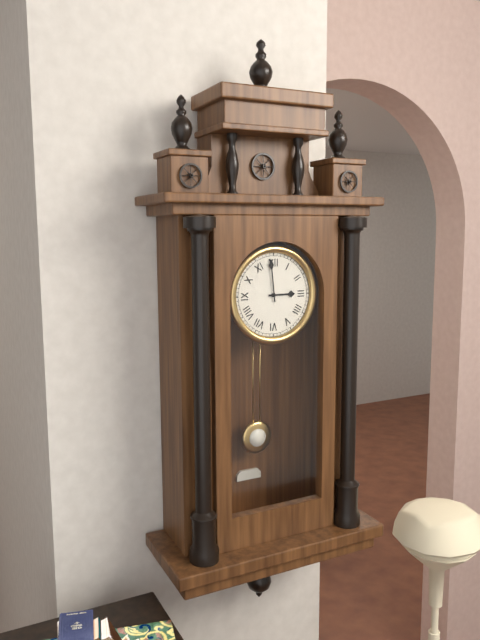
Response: 2:59
